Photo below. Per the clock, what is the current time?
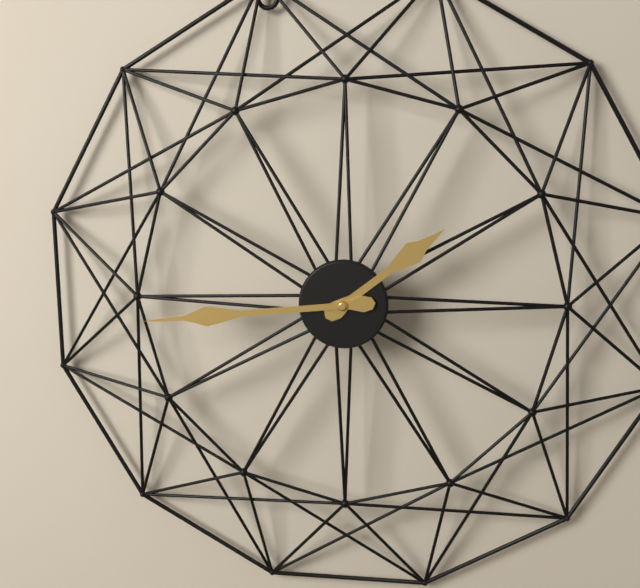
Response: 1:44
